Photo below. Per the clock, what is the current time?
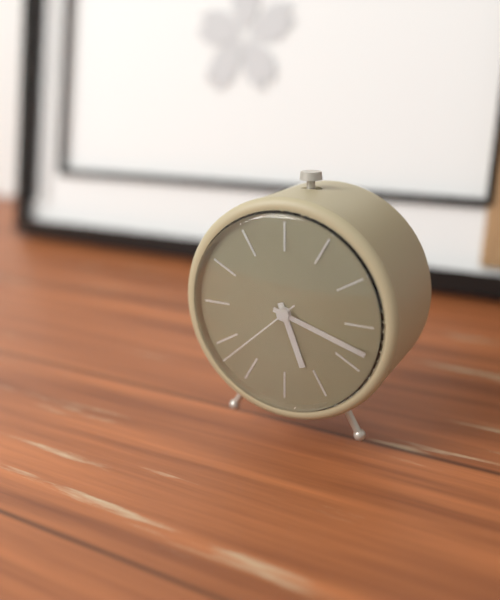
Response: 5:18:38
